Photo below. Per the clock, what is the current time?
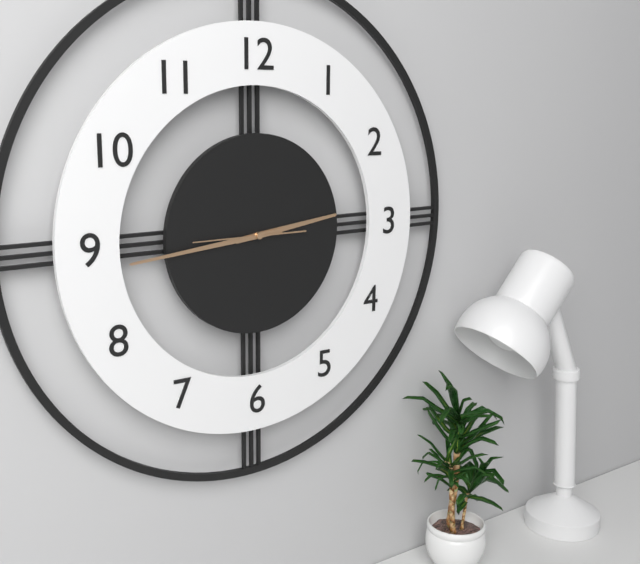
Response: 2:44:45
